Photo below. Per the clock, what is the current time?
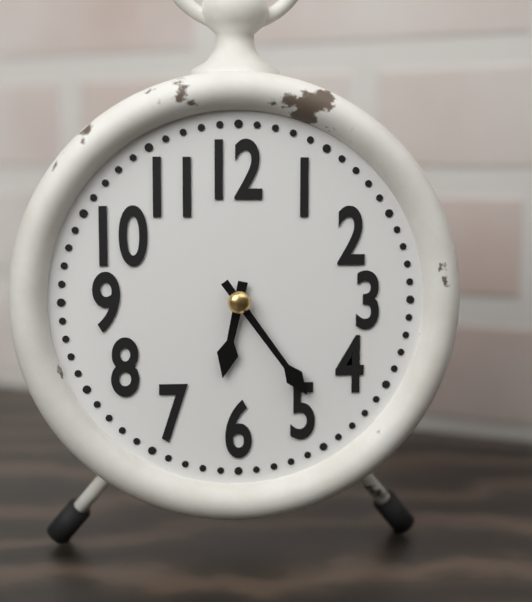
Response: 6:24
